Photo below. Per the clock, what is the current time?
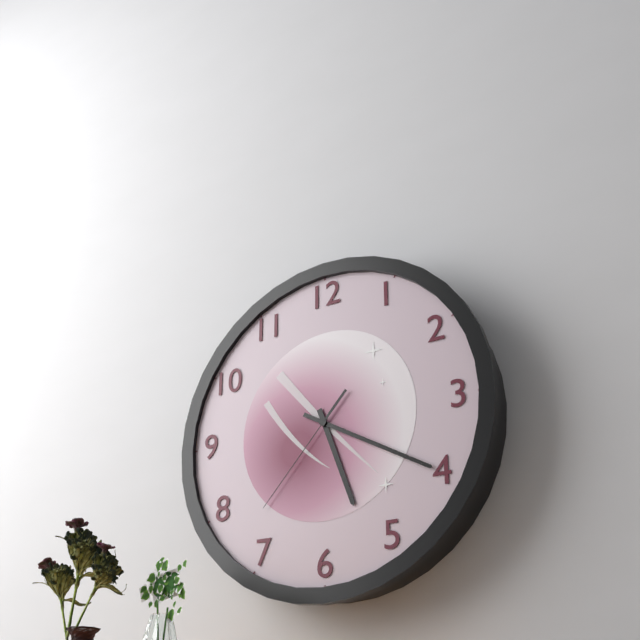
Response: 5:20:37
